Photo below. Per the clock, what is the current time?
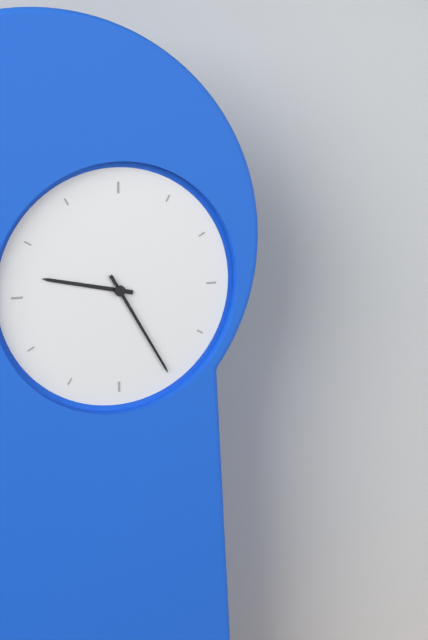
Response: 9:25
